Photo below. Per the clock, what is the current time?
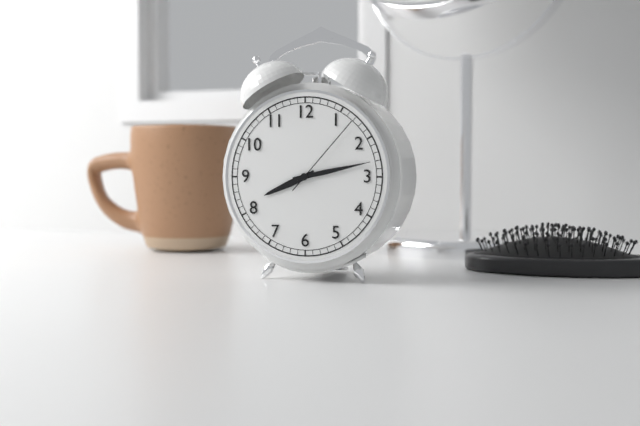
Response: 8:13:07
